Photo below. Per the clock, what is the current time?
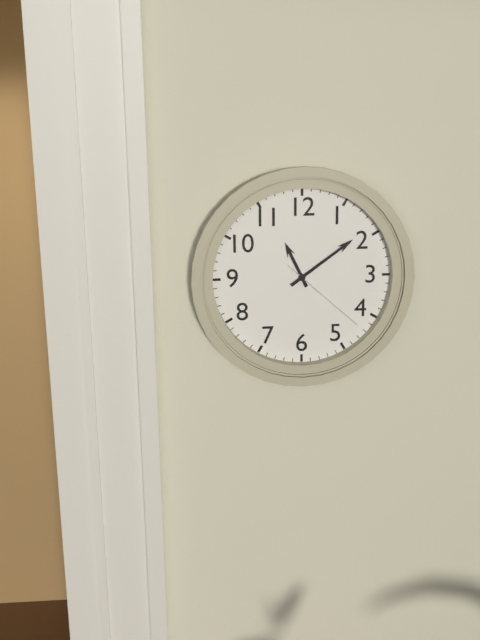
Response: 11:09:22
